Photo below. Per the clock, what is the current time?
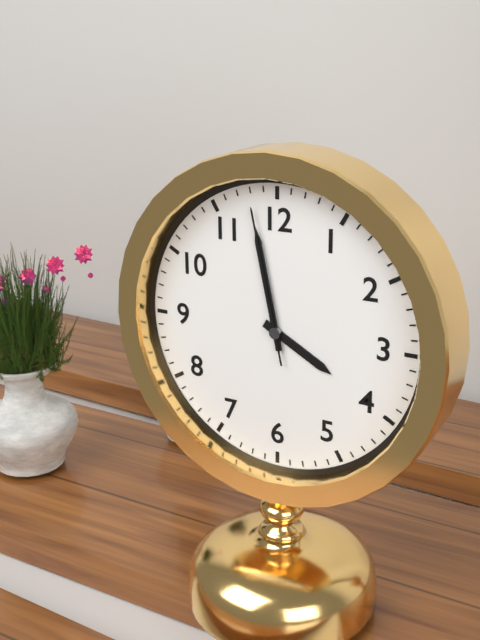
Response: 3:58:58
